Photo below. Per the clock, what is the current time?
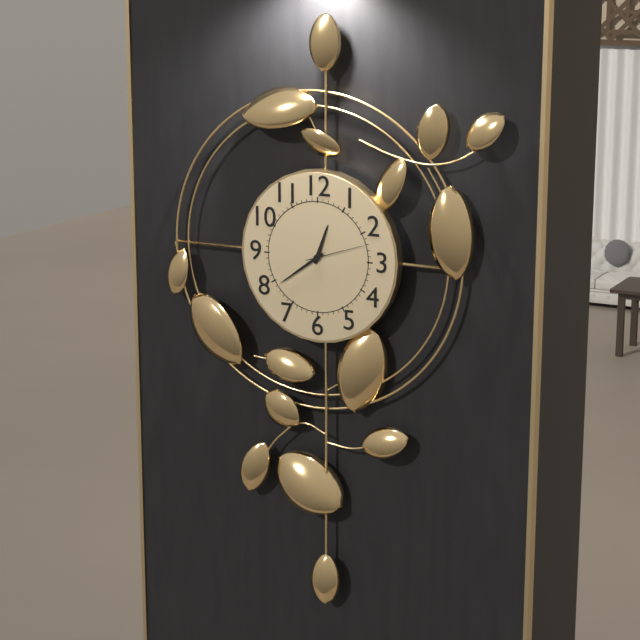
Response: 12:39:12
